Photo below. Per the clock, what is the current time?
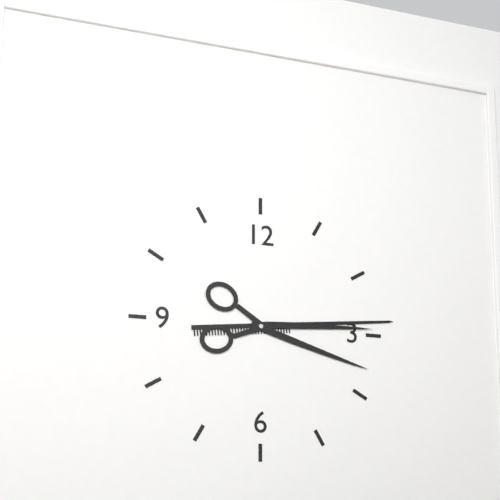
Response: 3:14
